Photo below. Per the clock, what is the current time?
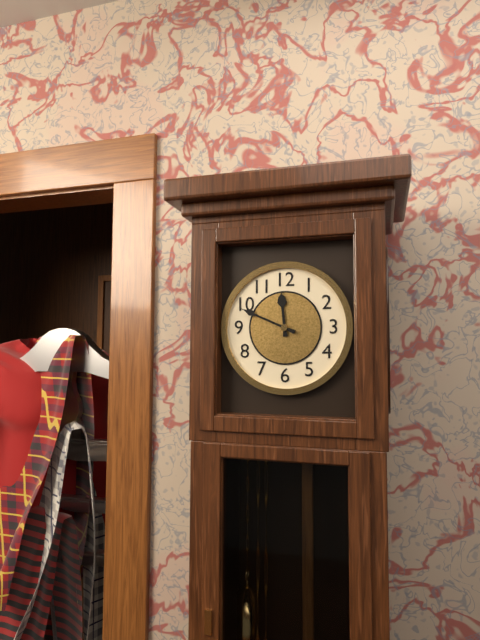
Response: 11:49
